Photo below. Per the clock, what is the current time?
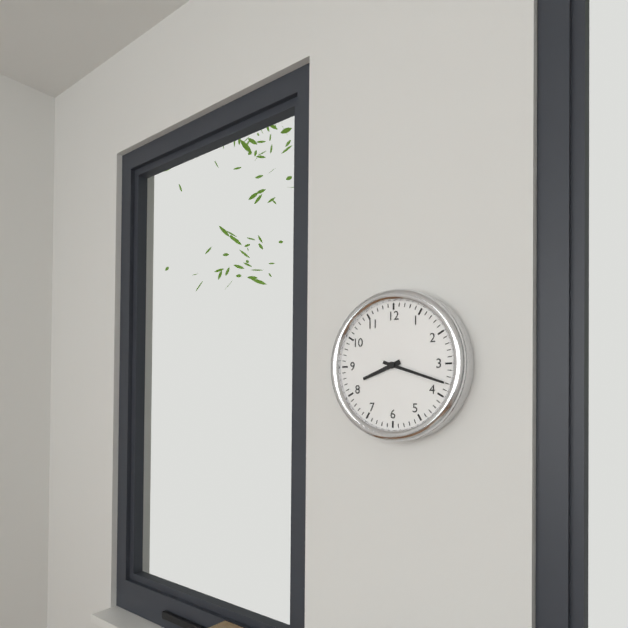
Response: 8:18
